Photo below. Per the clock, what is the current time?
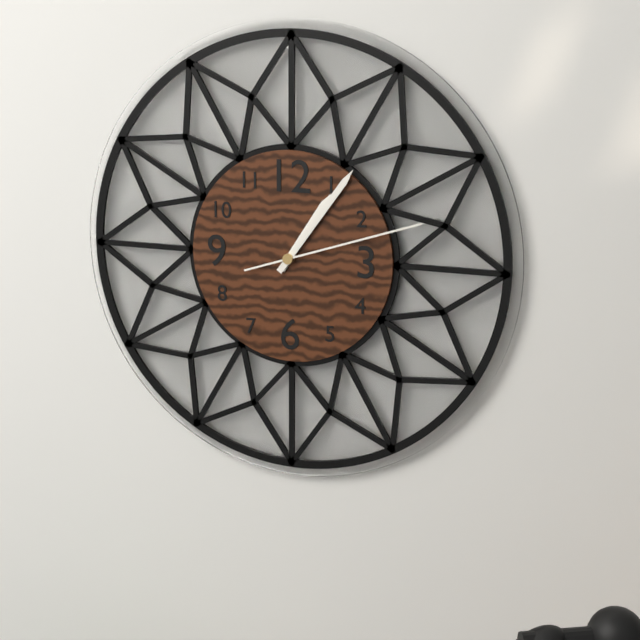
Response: 1:06:12
